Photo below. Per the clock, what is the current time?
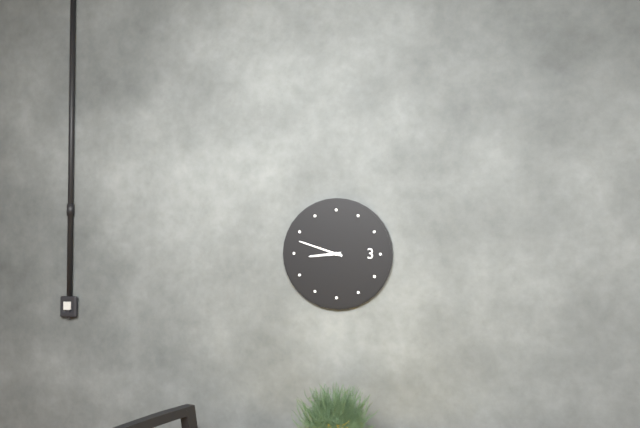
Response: 8:48
